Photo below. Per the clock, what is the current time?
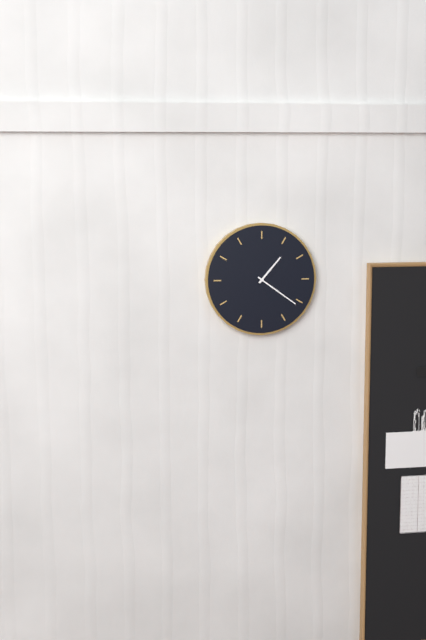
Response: 1:21
